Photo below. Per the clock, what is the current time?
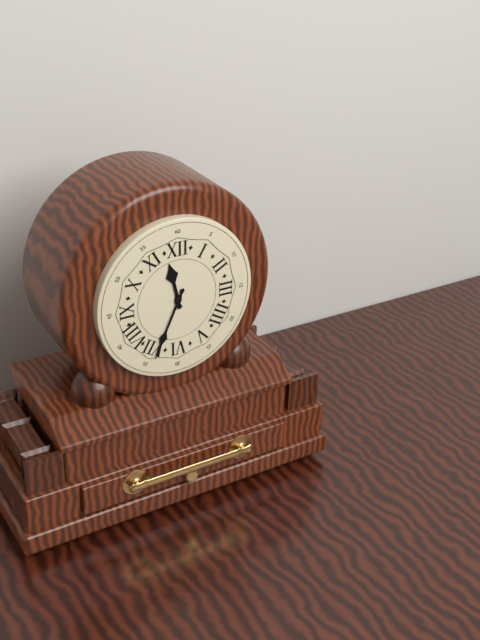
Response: 11:34
